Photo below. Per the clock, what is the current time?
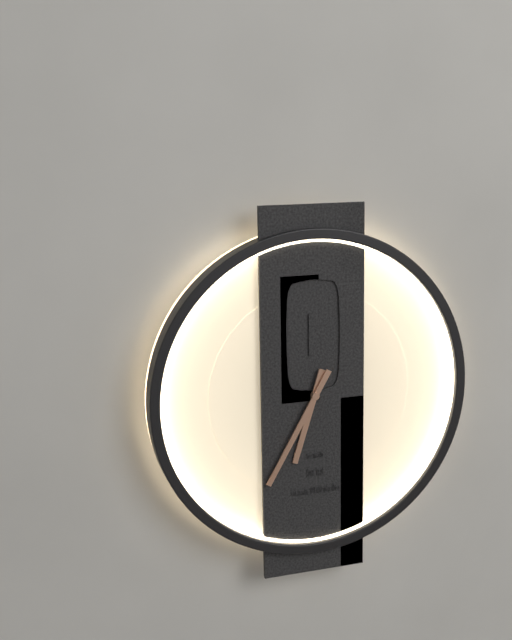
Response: 6:35
